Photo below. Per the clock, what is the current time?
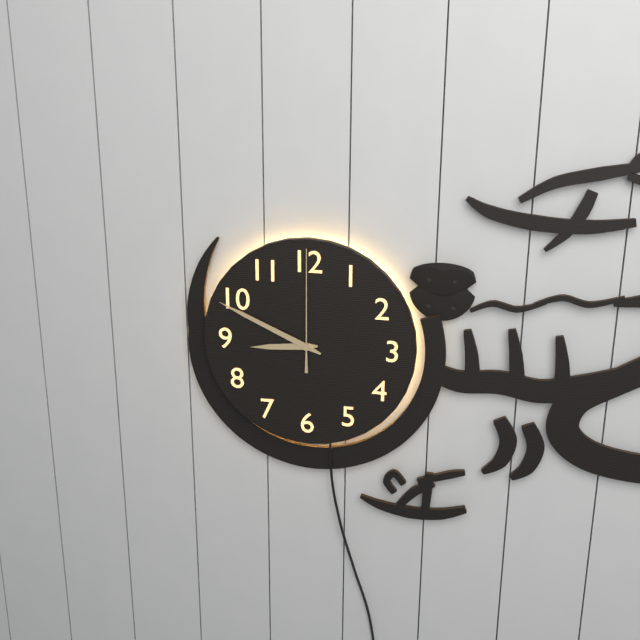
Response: 8:49:00
